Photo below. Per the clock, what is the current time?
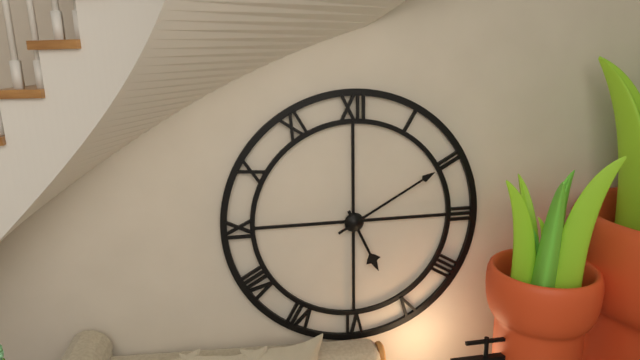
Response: 5:10
